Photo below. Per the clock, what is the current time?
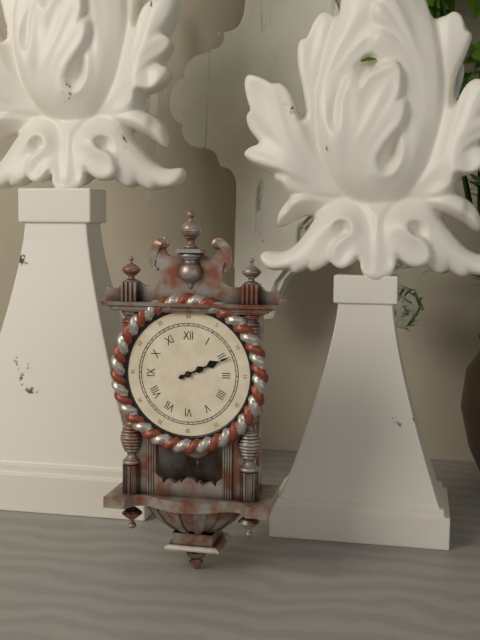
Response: 2:11
